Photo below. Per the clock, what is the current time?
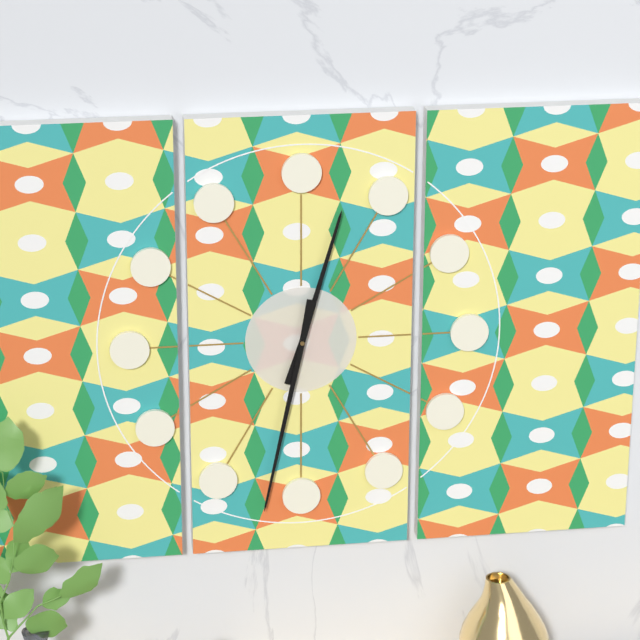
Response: 12:32
